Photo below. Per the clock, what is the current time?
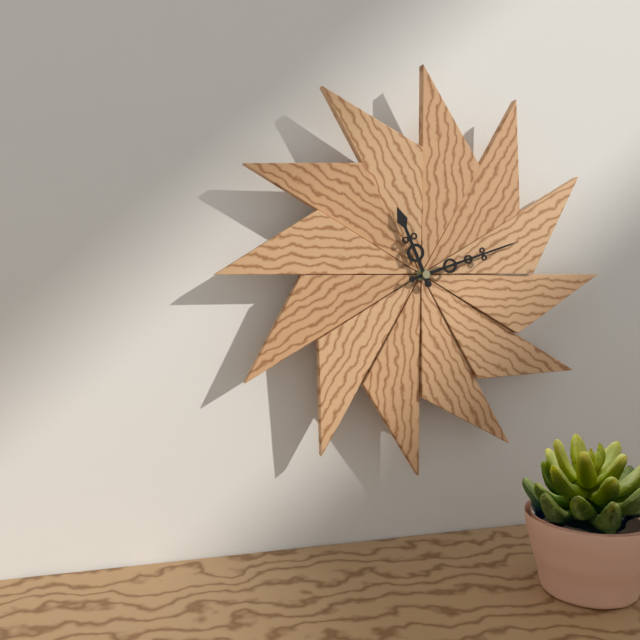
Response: 11:12
